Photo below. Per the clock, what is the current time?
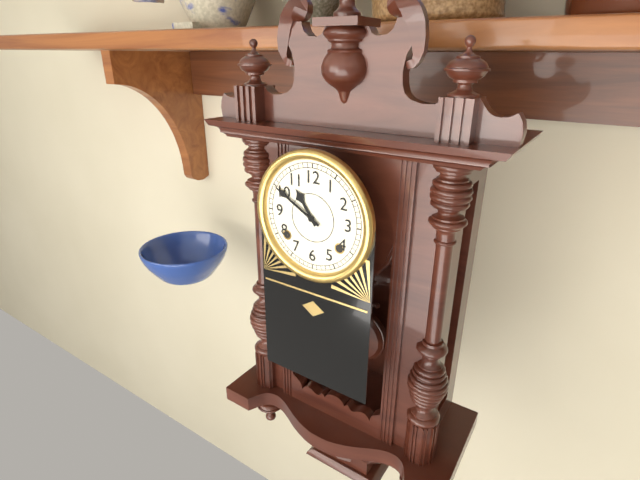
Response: 10:50
